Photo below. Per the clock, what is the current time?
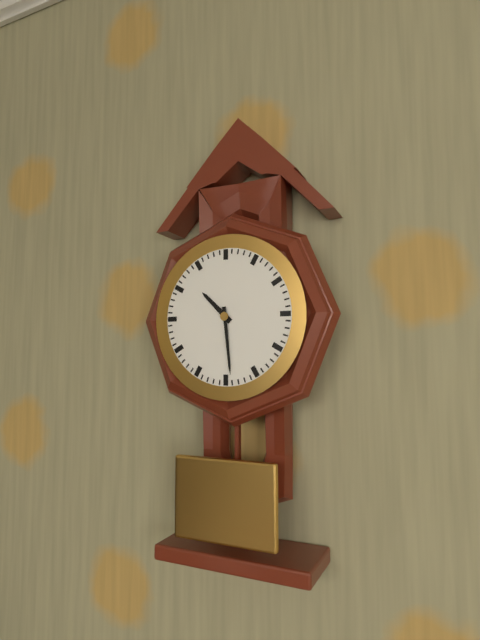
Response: 10:29
